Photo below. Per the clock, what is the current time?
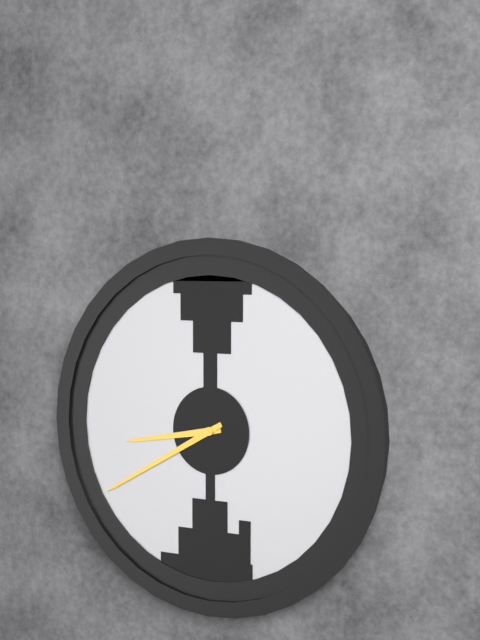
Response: 8:40
